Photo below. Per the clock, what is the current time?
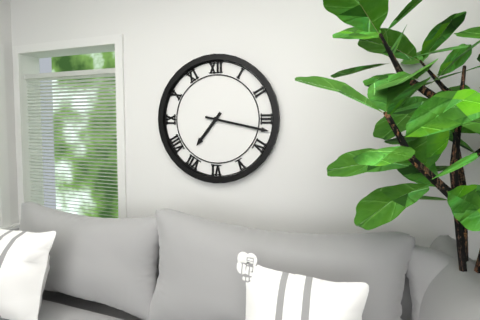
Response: 7:17
